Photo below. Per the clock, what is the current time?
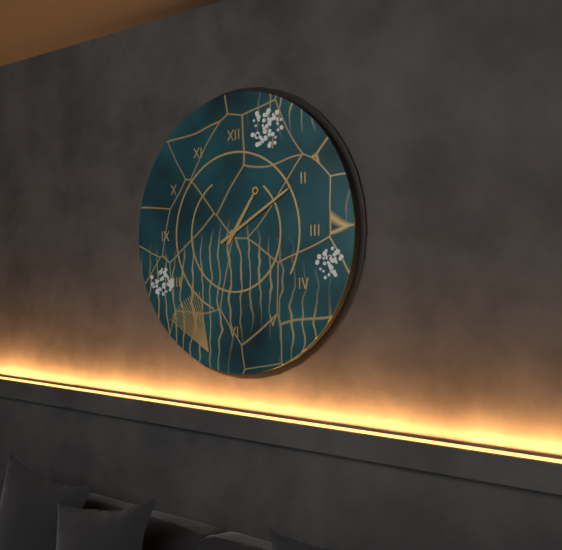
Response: 1:10
